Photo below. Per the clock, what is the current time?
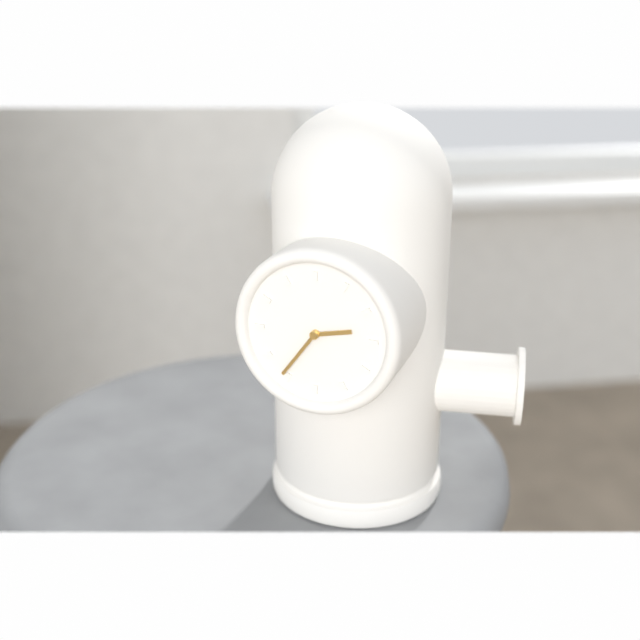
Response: 2:36
